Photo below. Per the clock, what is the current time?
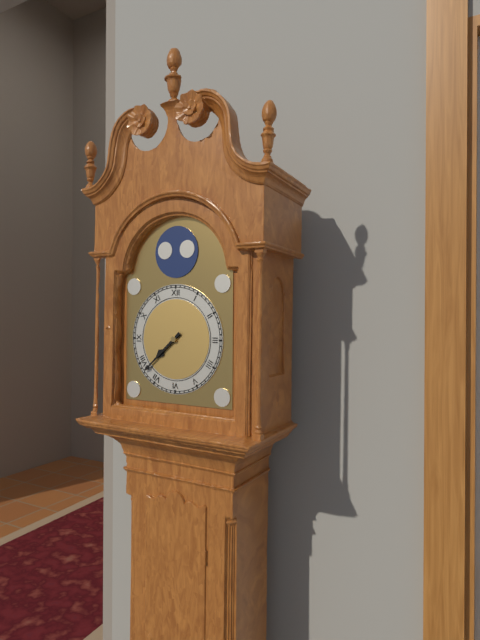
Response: 7:38
